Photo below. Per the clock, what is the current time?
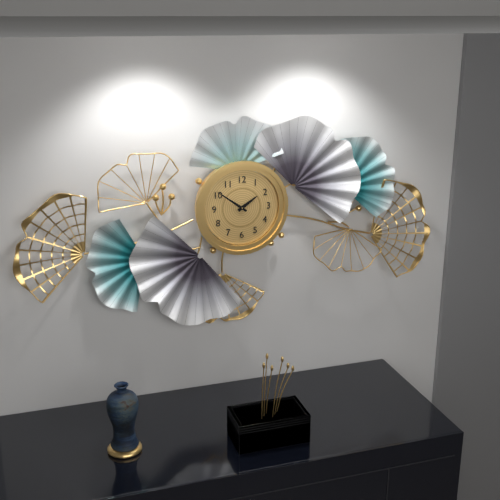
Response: 1:51
